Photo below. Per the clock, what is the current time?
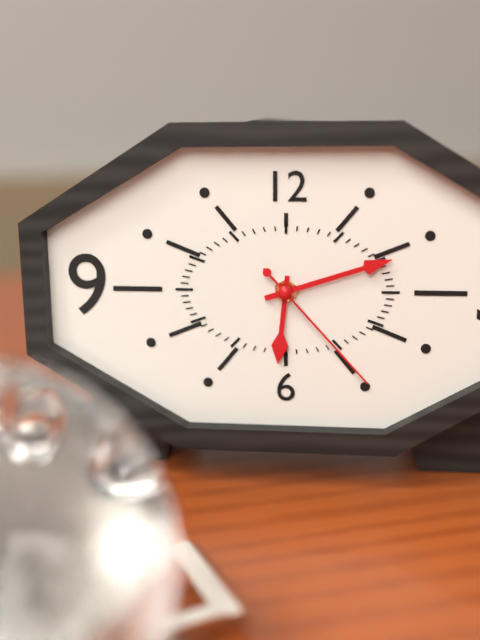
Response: 6:12:23
